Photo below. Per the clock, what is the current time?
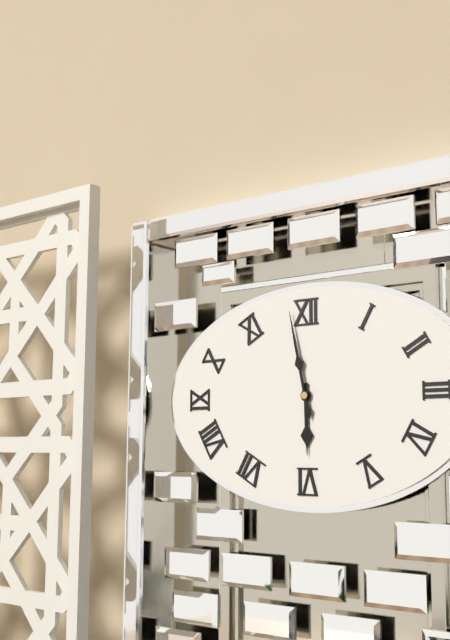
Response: 5:58
